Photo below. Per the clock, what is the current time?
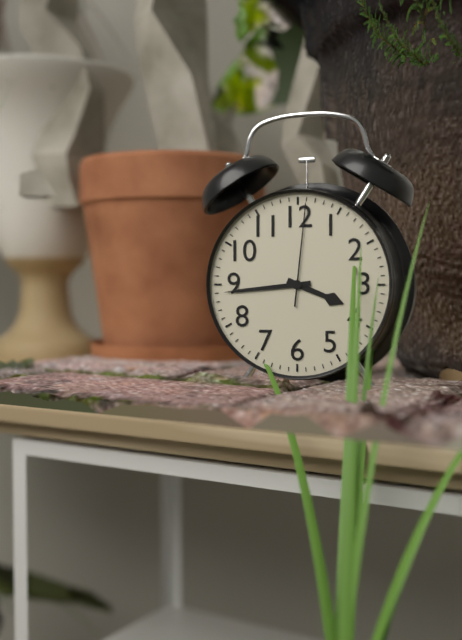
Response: 3:44:01
